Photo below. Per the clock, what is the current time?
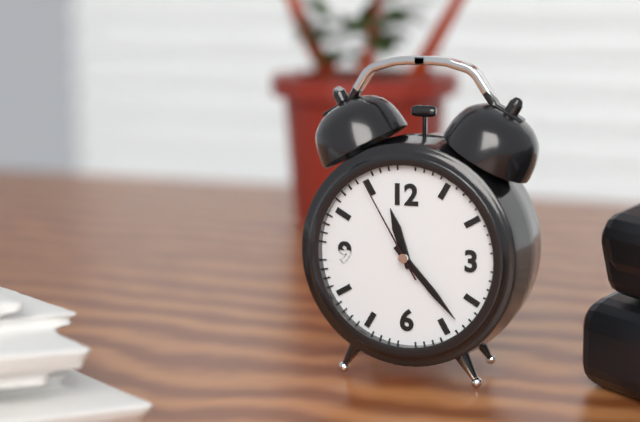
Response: 11:23:55
